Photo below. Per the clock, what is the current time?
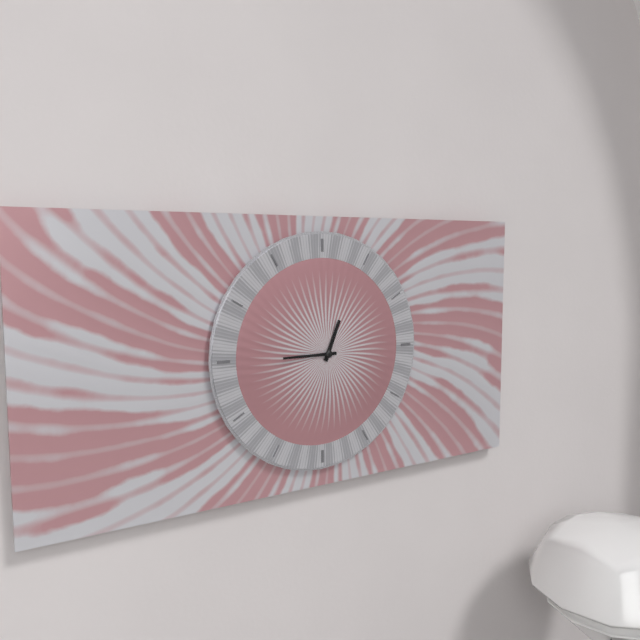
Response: 12:45
